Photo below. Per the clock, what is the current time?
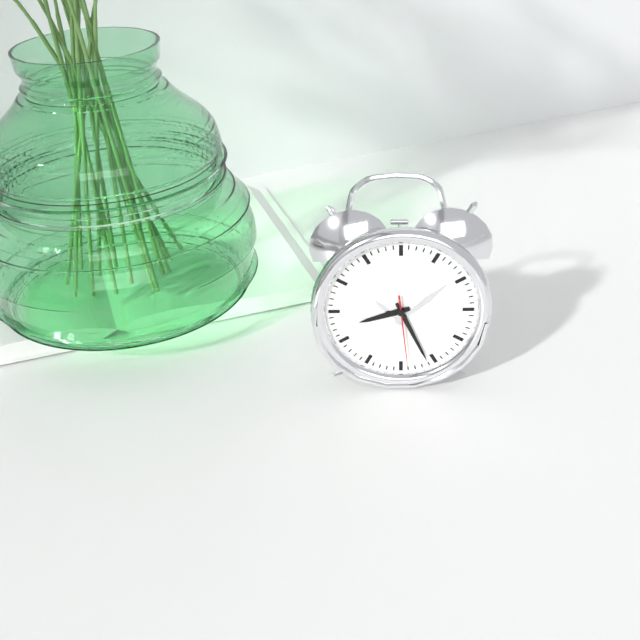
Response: 8:26:29
